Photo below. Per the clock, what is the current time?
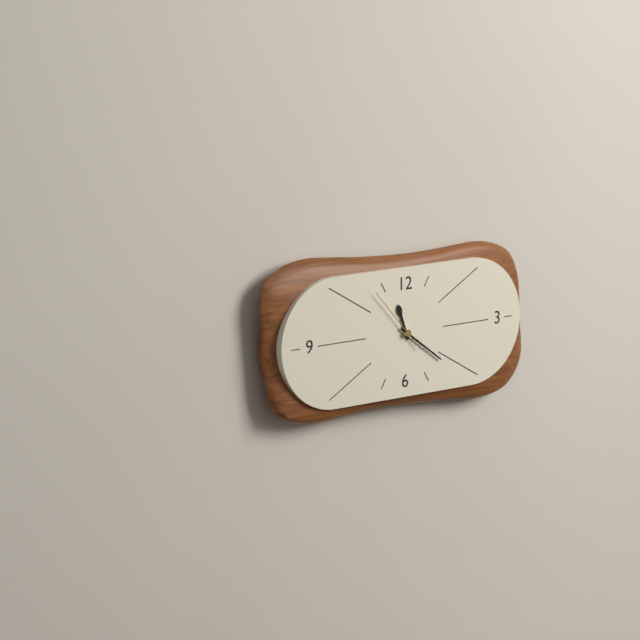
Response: 11:21:53
